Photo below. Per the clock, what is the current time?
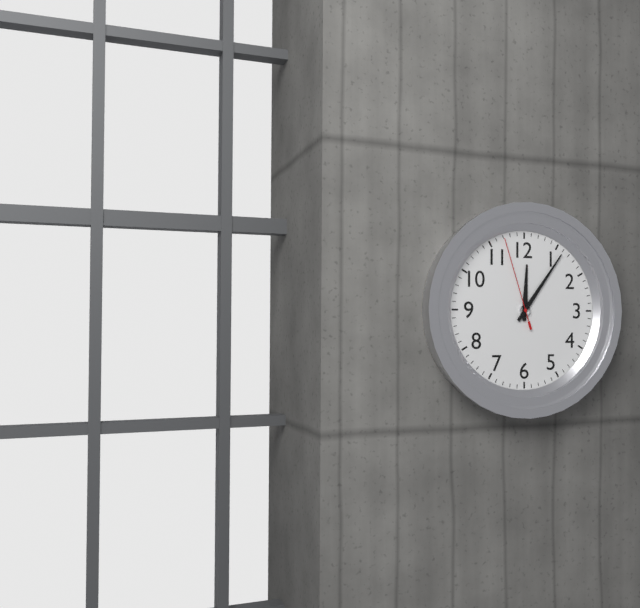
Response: 12:06:57
